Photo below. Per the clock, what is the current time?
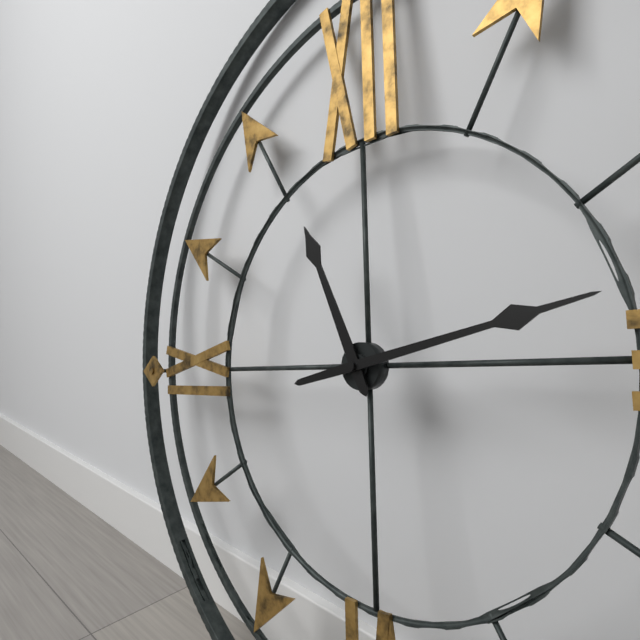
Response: 11:13
